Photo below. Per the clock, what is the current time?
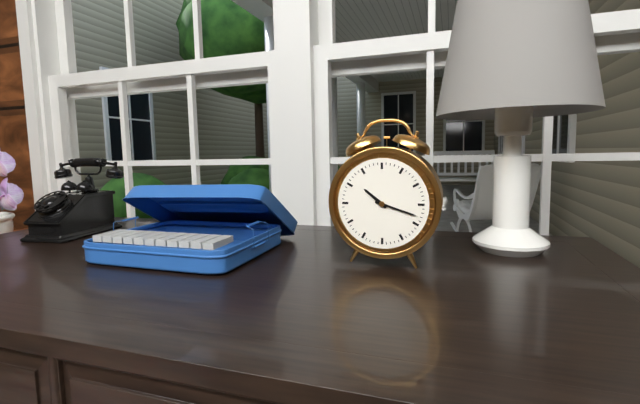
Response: 10:18
